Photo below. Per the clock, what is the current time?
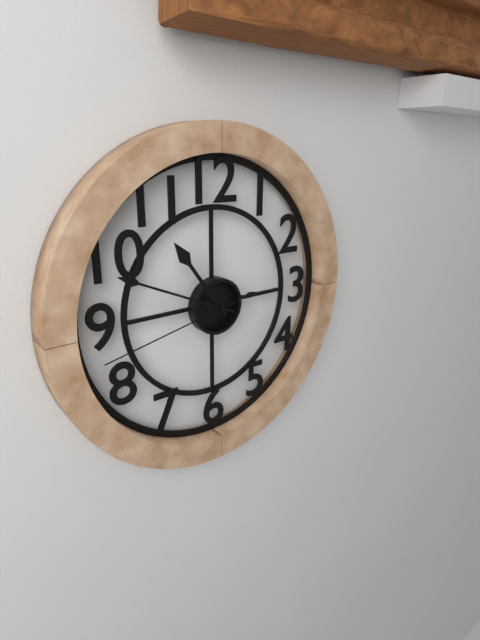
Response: 10:49:43
